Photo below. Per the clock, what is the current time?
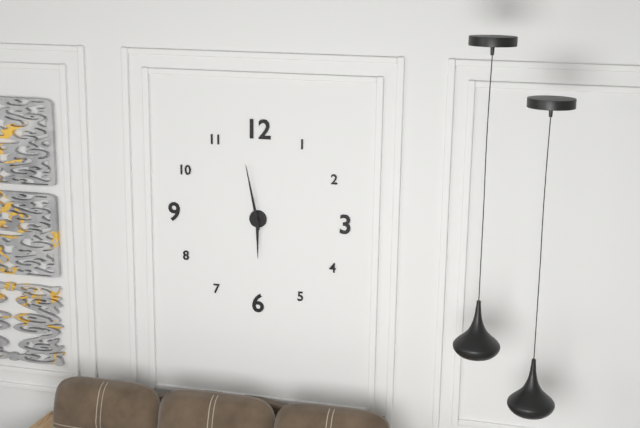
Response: 5:58
